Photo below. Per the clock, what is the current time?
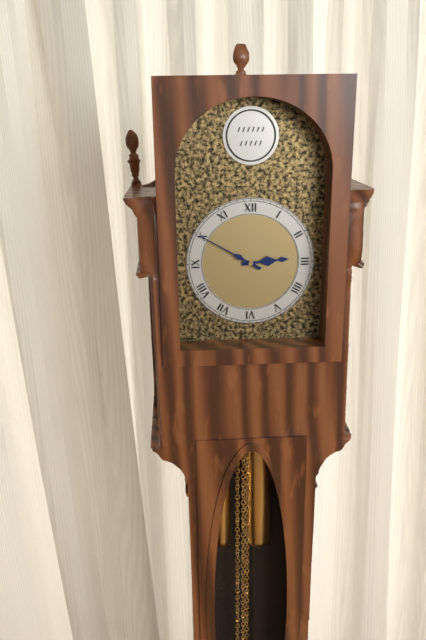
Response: 2:50
